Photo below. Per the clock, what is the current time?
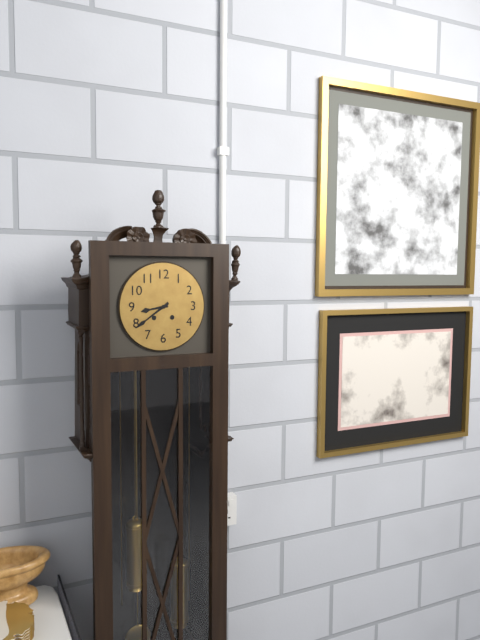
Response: 8:39
